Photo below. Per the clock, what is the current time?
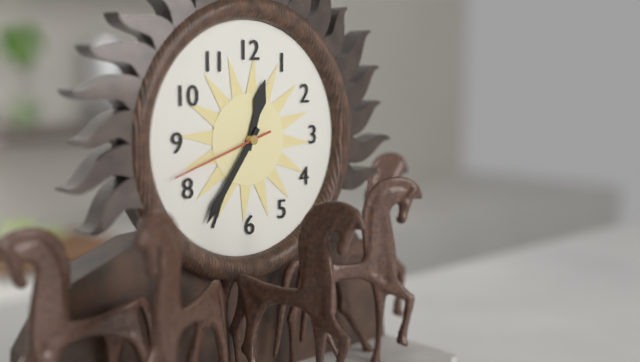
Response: 12:36:42
